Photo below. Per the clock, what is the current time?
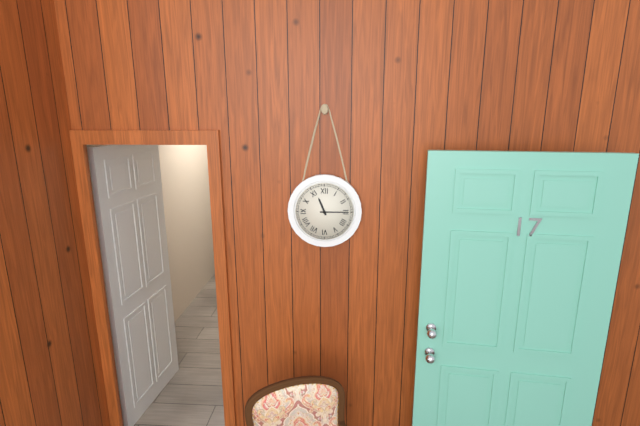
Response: 11:15
